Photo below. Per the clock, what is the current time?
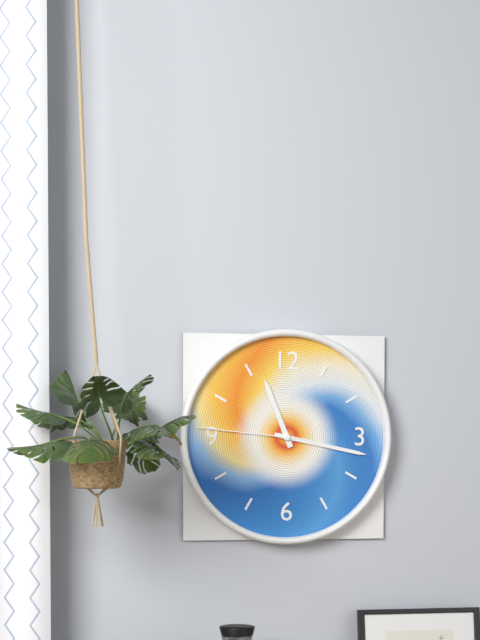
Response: 11:17:46
